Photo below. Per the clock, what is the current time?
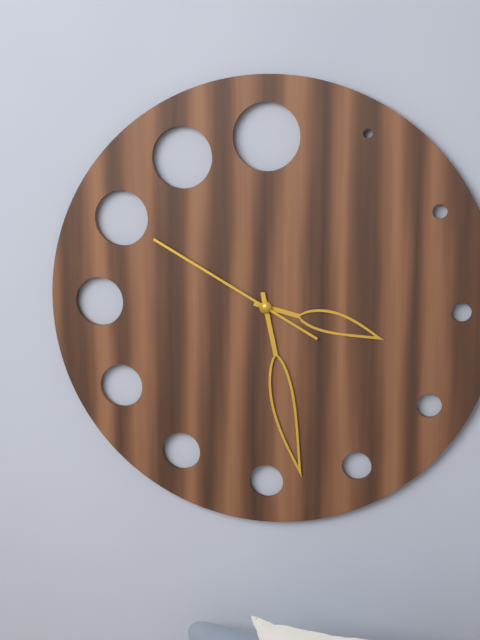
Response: 3:28:50
